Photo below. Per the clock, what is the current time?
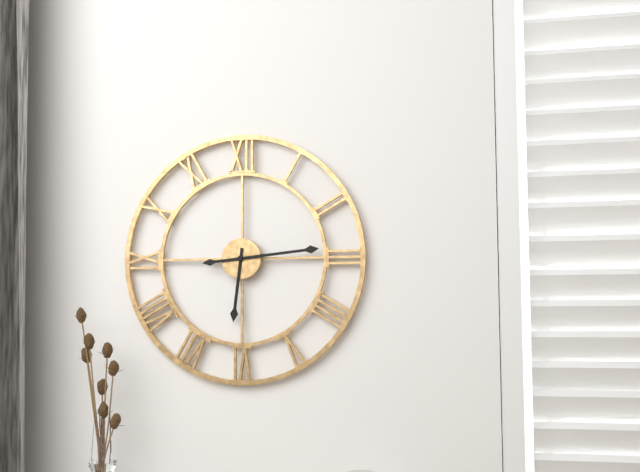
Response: 6:14
